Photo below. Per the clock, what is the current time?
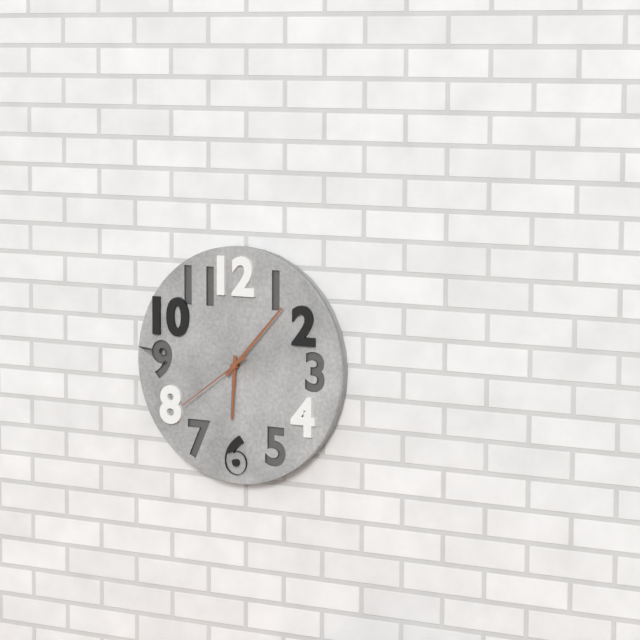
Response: 6:07:39
